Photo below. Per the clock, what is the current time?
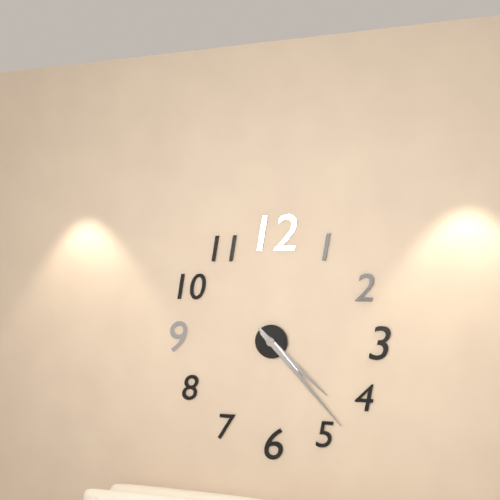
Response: 4:23
